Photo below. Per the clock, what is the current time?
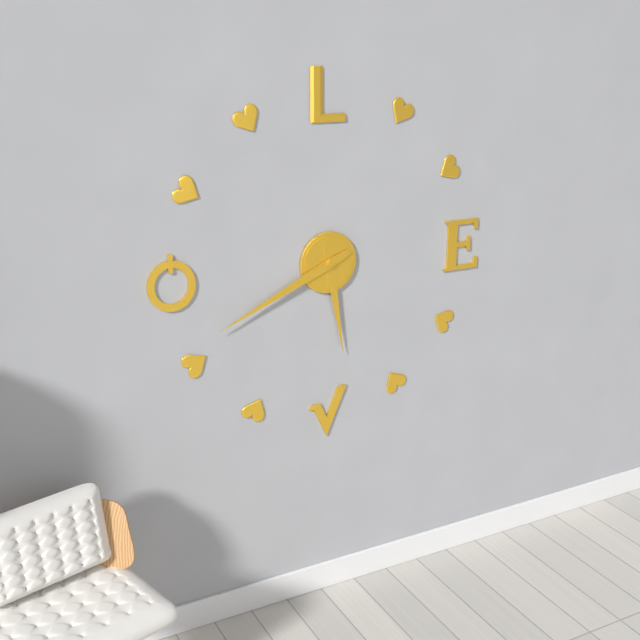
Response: 5:41
